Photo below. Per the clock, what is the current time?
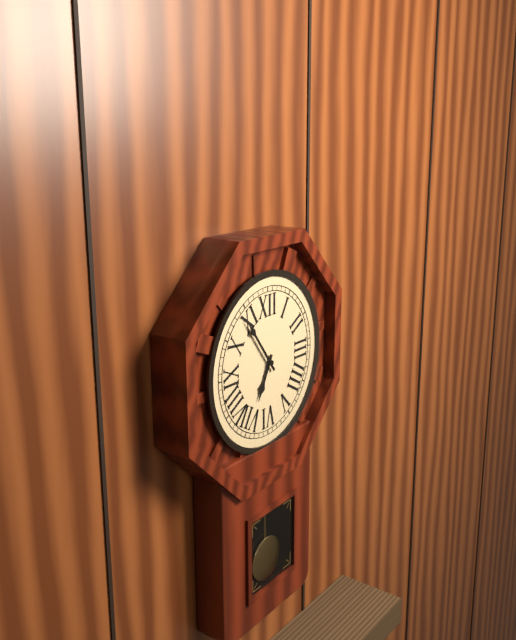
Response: 6:54
